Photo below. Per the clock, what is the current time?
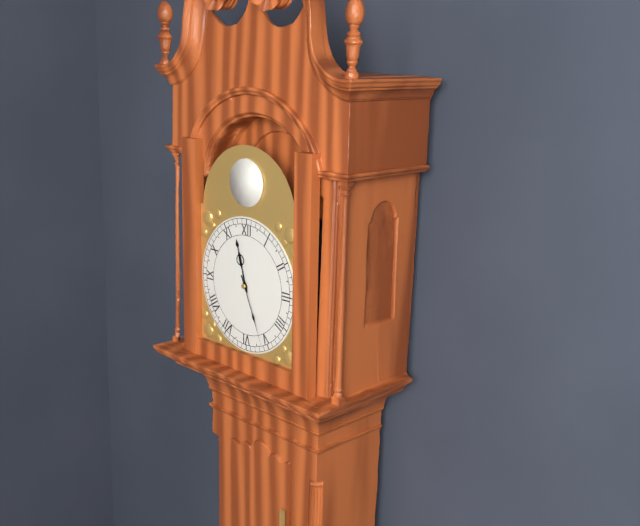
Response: 11:26
